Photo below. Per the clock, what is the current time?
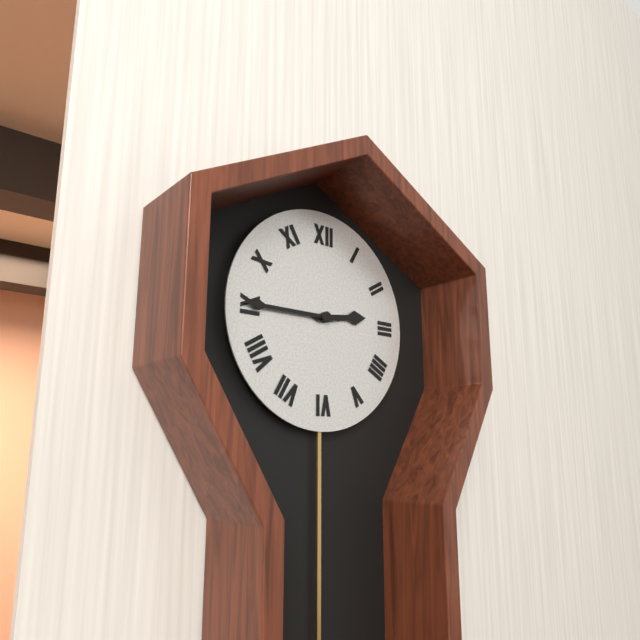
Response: 2:45
